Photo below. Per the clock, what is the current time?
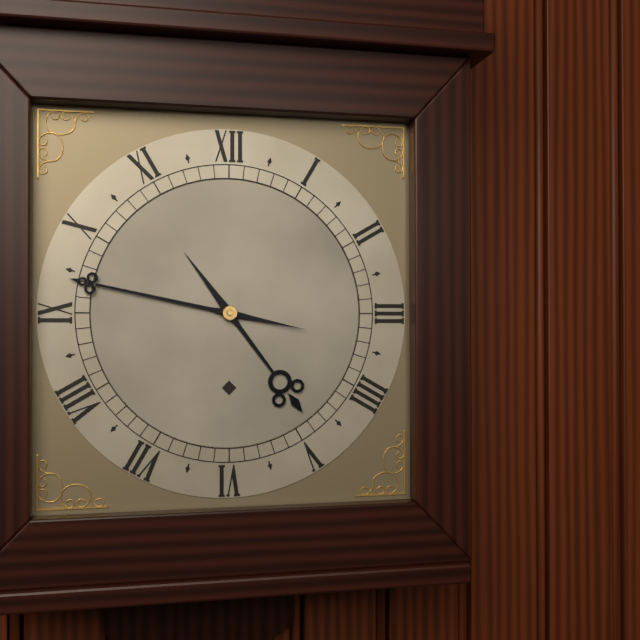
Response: 4:47
